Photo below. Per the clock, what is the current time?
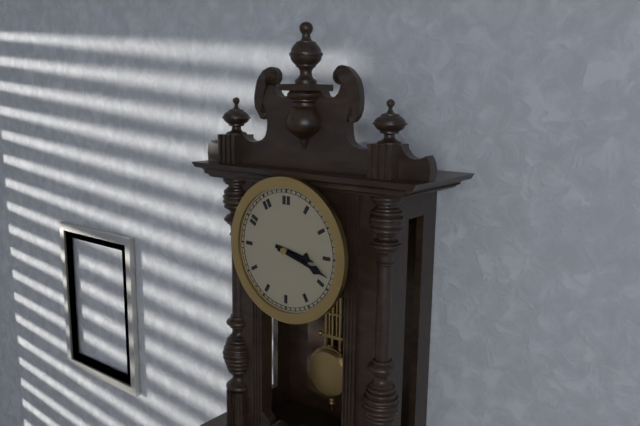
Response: 3:18
